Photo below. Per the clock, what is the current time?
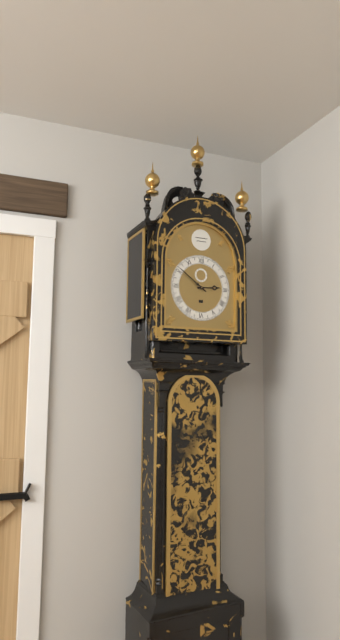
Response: 2:51
